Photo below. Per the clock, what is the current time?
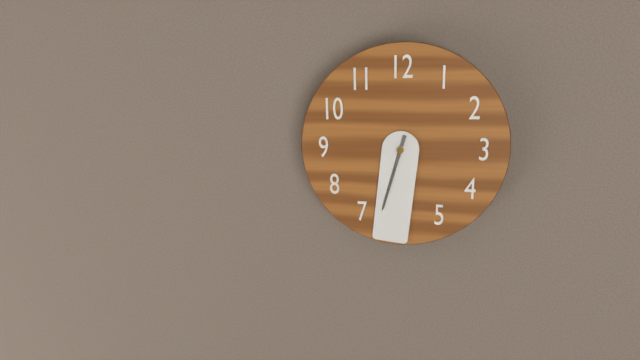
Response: 6:31
